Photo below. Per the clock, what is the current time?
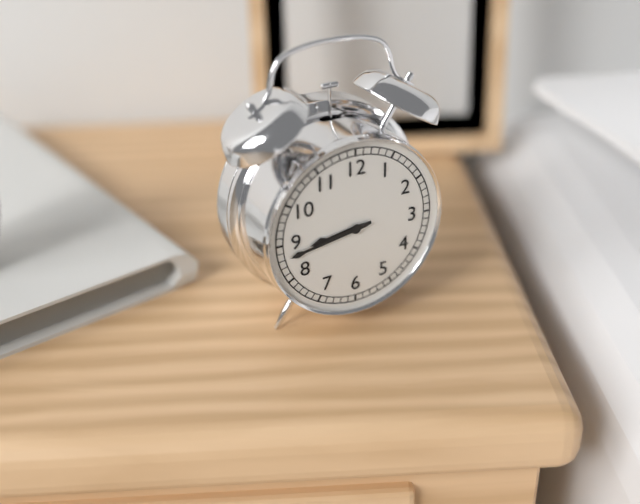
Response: 8:43
